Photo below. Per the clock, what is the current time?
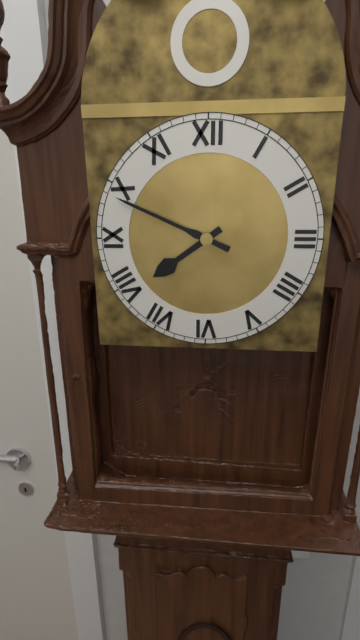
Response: 7:49
